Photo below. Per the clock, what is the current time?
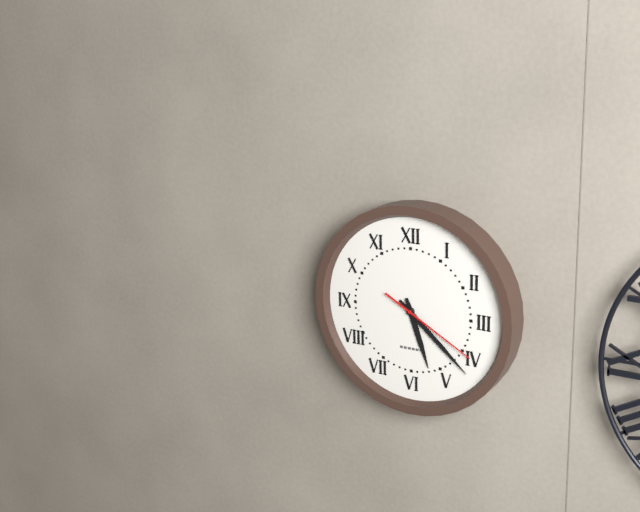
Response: 5:22:20
